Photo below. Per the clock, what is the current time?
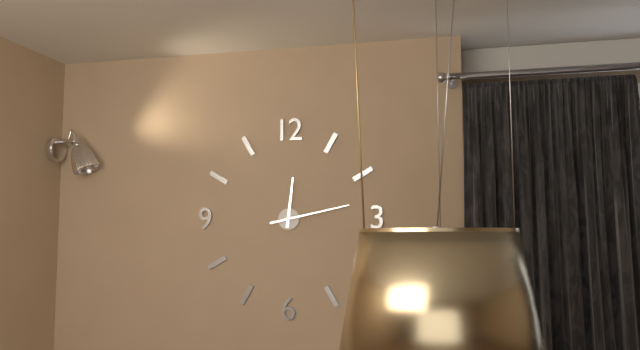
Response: 12:13
